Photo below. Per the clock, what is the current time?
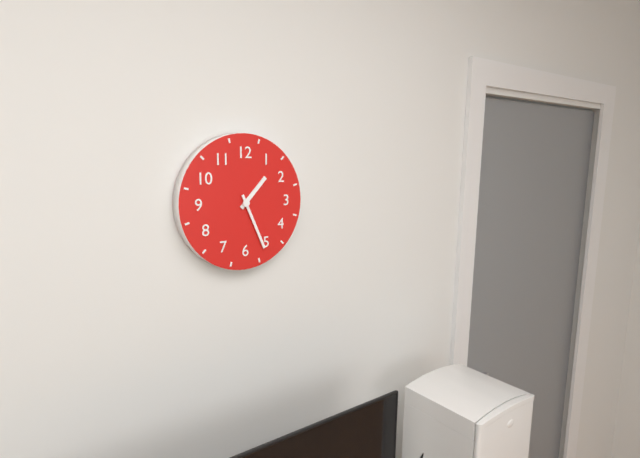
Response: 1:26
